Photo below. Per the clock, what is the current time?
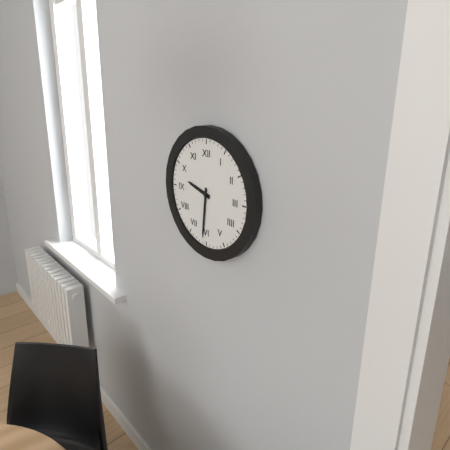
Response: 9:31
